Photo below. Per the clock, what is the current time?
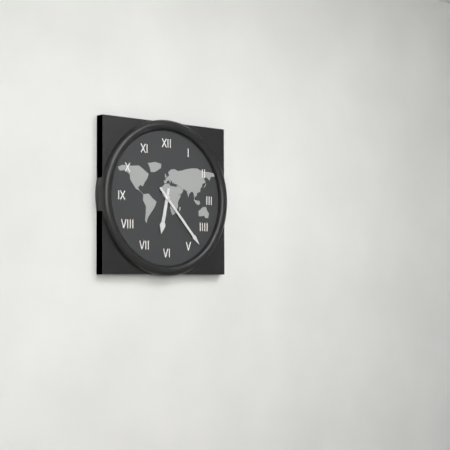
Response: 6:23
